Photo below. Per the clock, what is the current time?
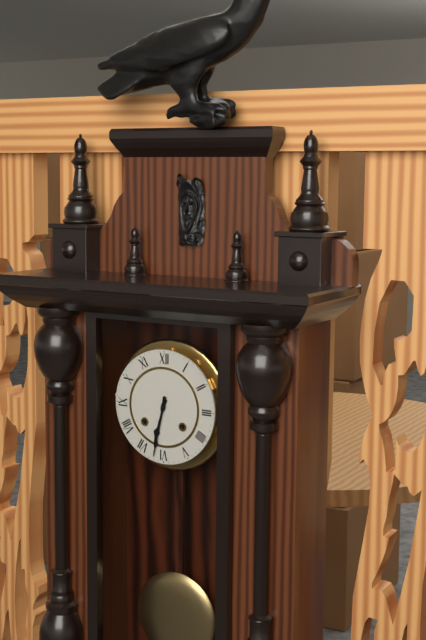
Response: 6:32
